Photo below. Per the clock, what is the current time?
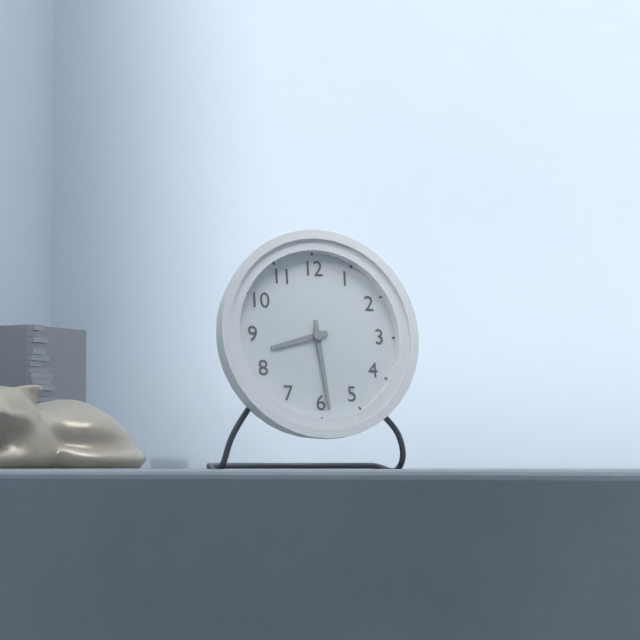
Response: 8:29
